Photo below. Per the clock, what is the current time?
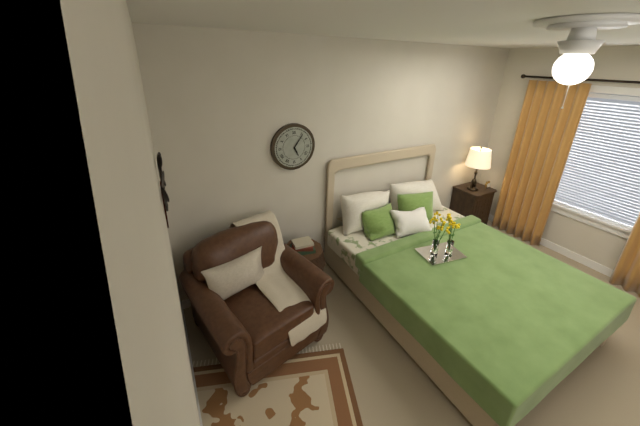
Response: 5:06
